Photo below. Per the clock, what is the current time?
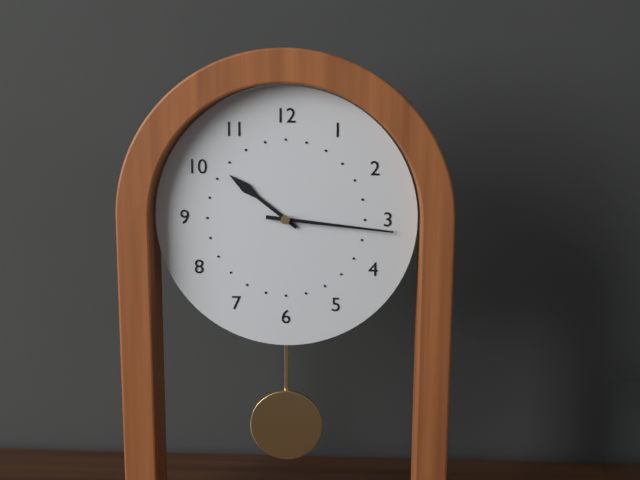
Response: 10:16
